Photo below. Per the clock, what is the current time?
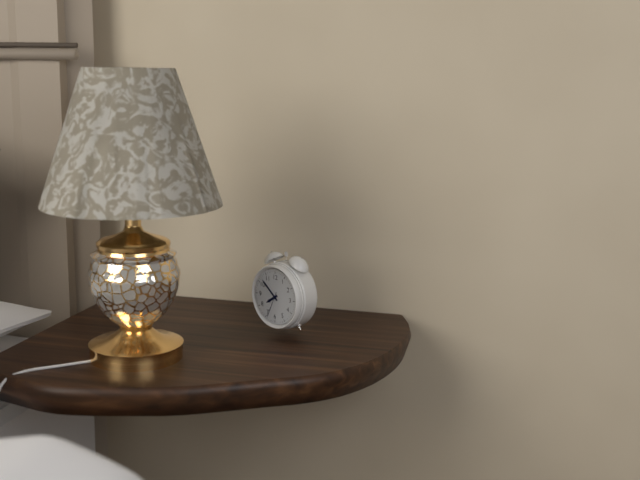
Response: 7:52
